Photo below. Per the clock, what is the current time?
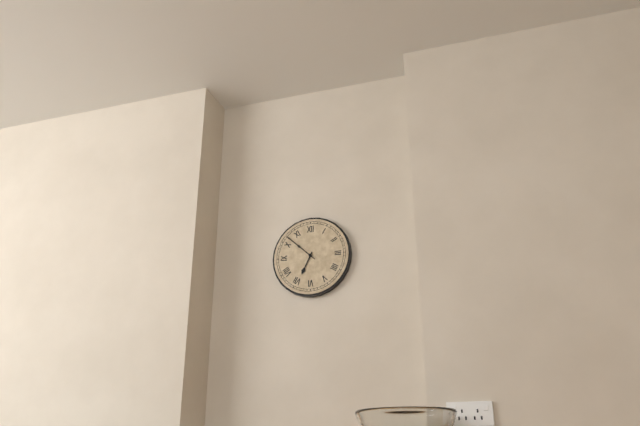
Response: 6:52
